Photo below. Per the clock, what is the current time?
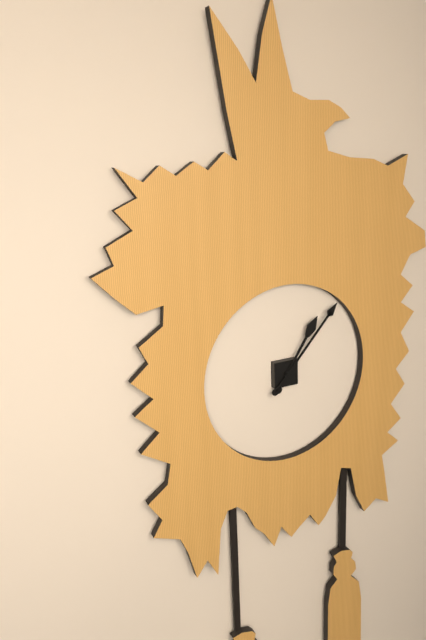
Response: 1:07
